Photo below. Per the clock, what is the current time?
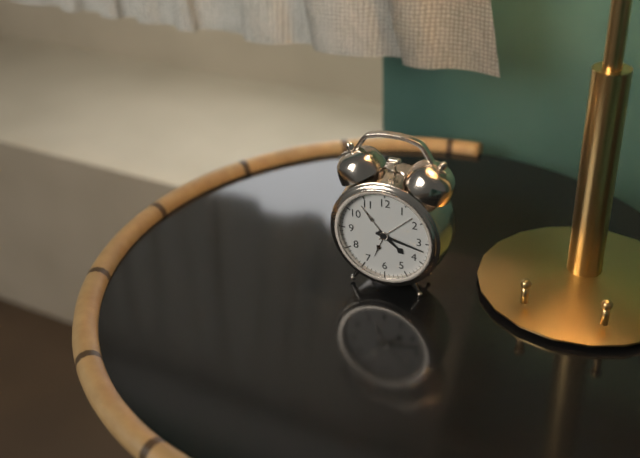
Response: 4:17
